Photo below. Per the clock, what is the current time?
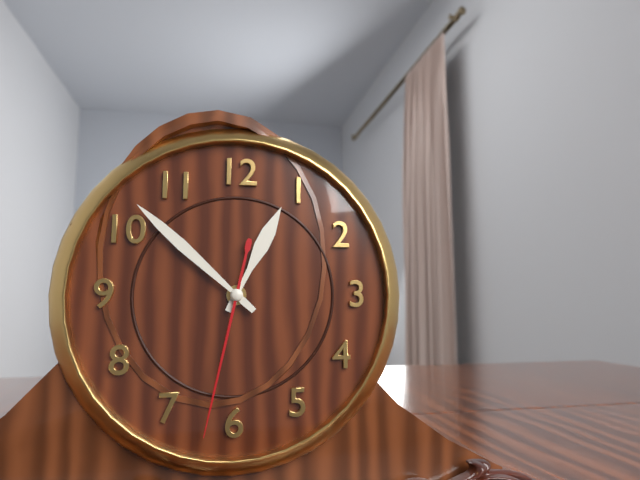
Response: 12:52:32
